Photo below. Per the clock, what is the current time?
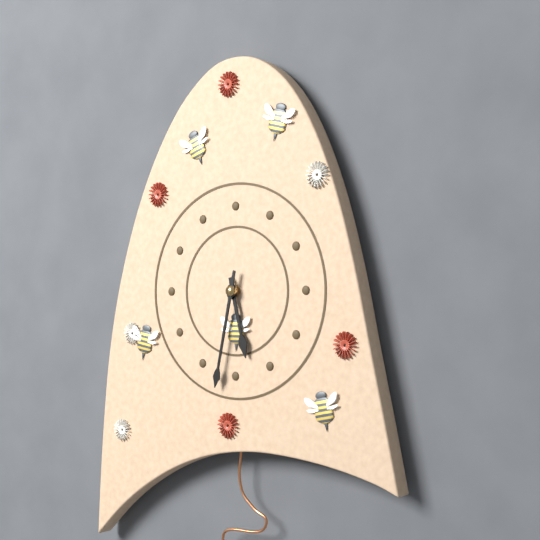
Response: 5:32
